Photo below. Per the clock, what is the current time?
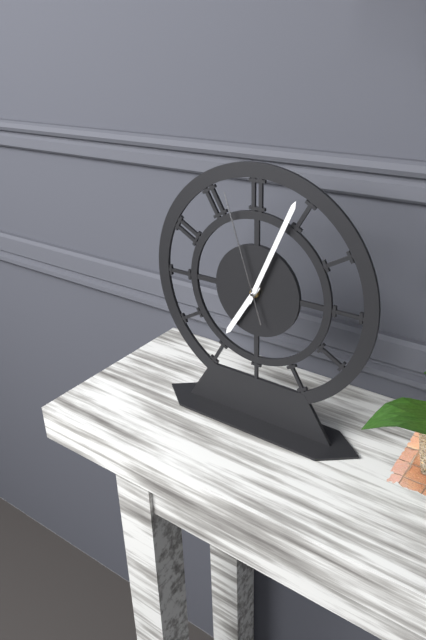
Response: 7:04:57
